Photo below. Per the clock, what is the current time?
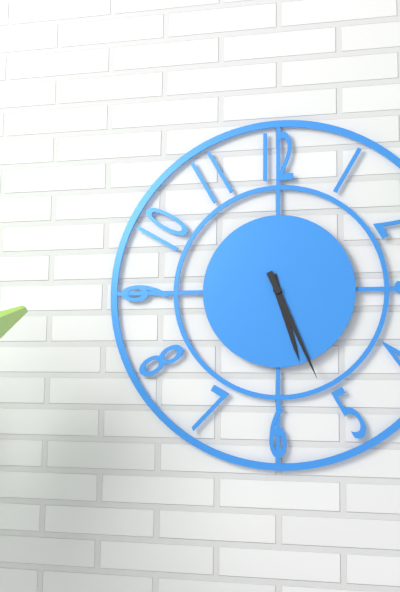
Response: 5:26
